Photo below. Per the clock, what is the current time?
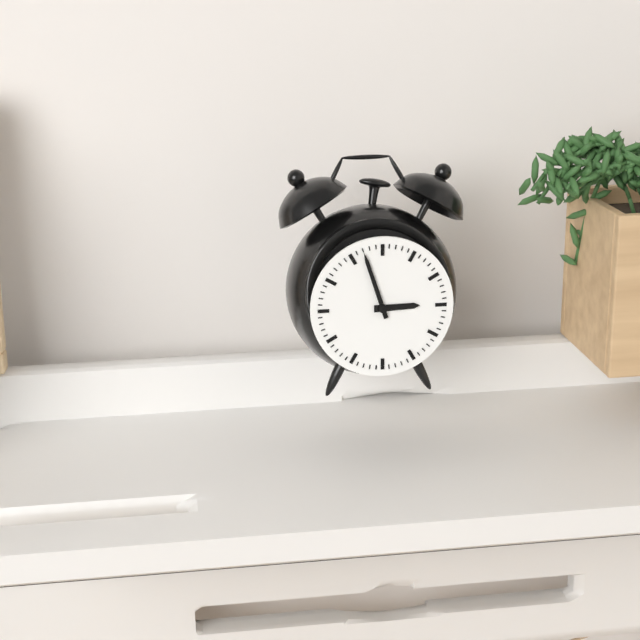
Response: 2:57
